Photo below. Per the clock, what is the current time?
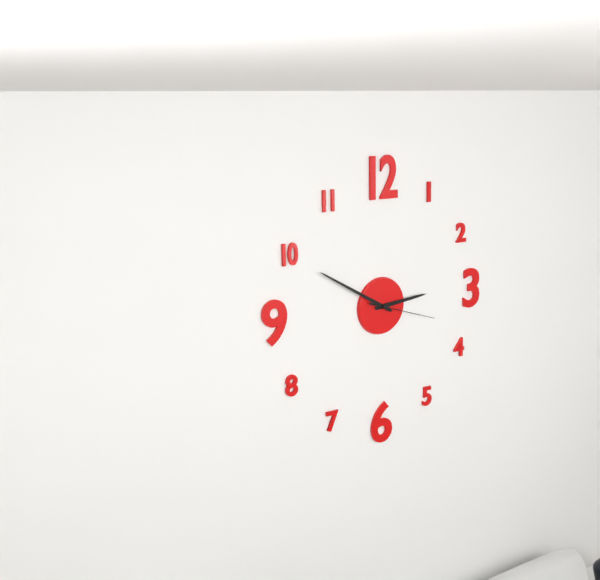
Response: 2:50:18
